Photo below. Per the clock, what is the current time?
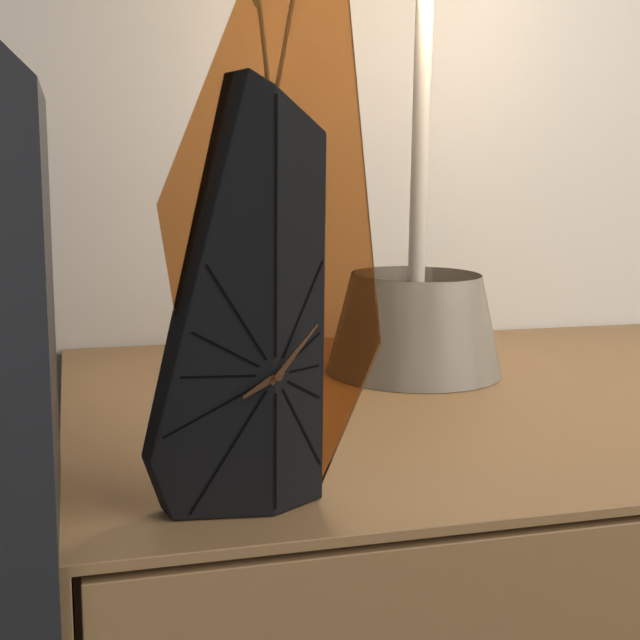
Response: 8:07
